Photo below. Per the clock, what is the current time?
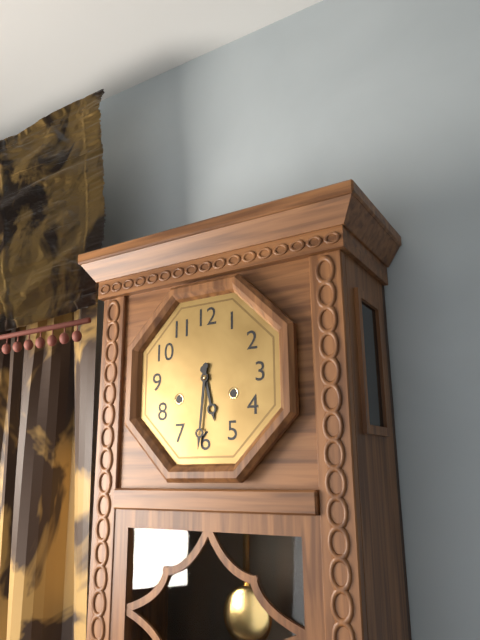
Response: 5:31
